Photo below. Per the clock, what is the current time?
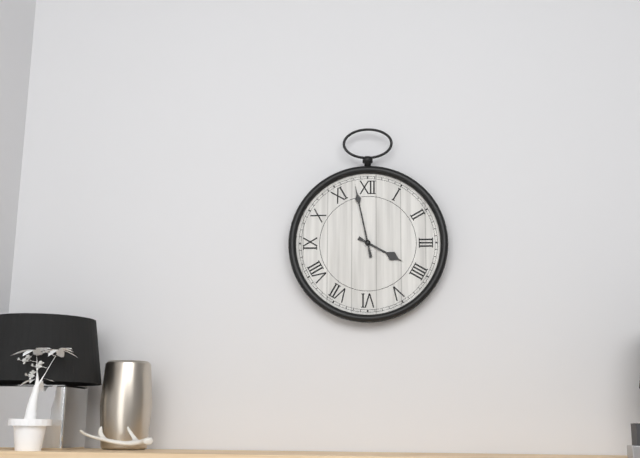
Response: 3:58
